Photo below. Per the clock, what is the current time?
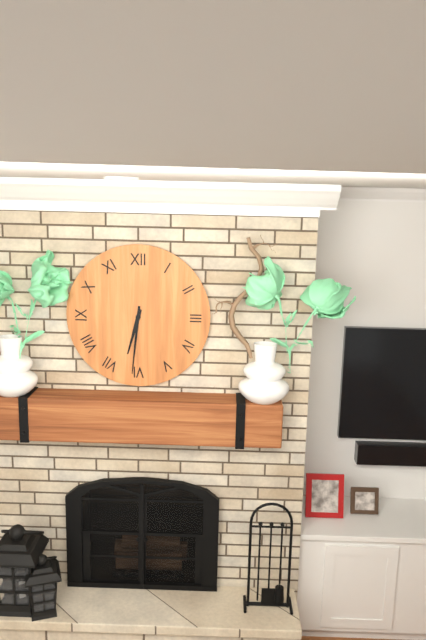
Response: 6:31
